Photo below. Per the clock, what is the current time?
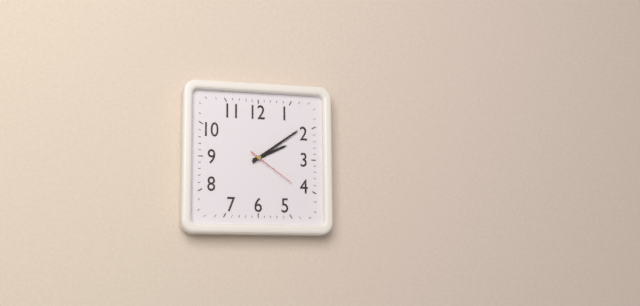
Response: 2:09:21
